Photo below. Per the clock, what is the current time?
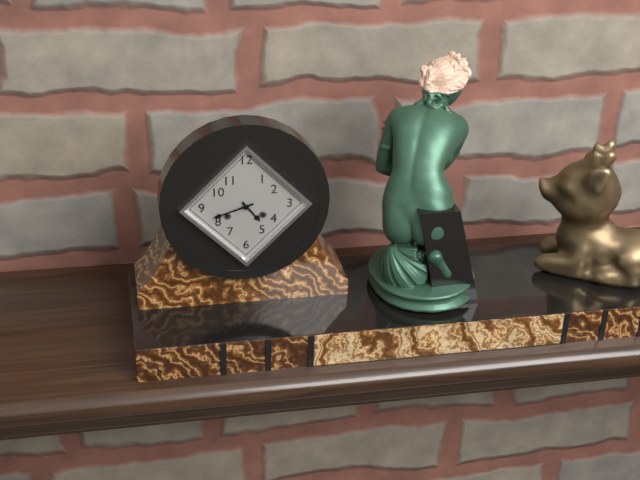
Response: 4:42
